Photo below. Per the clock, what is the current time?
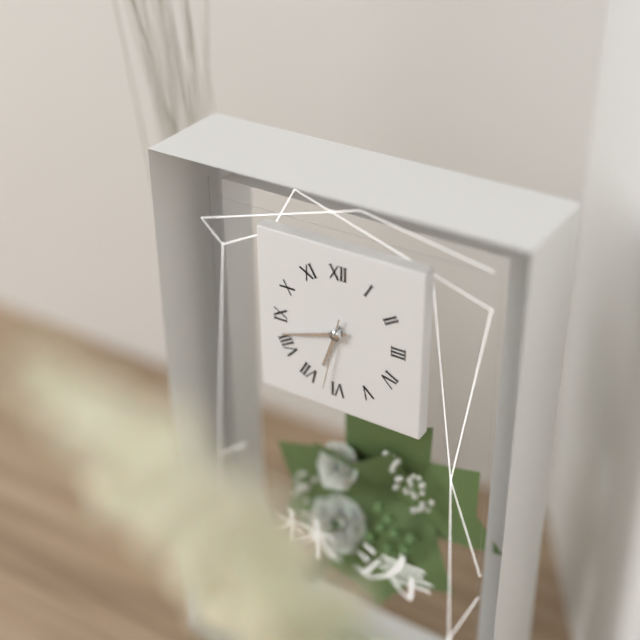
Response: 6:42:32
